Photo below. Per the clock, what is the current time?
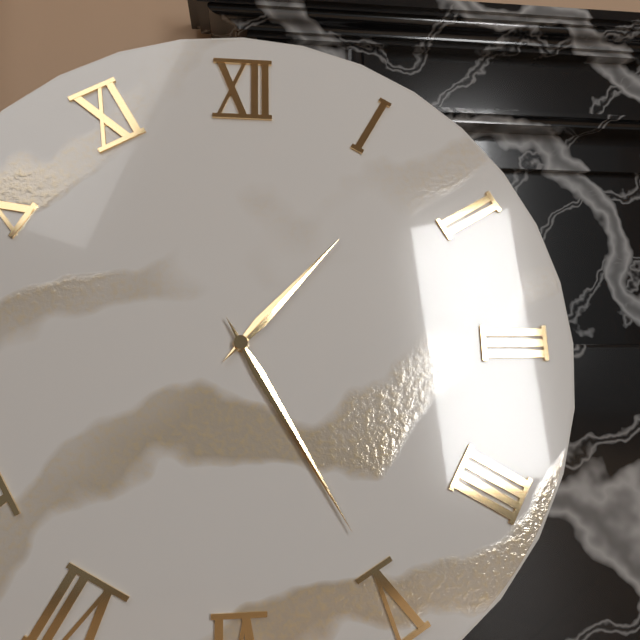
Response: 1:25
